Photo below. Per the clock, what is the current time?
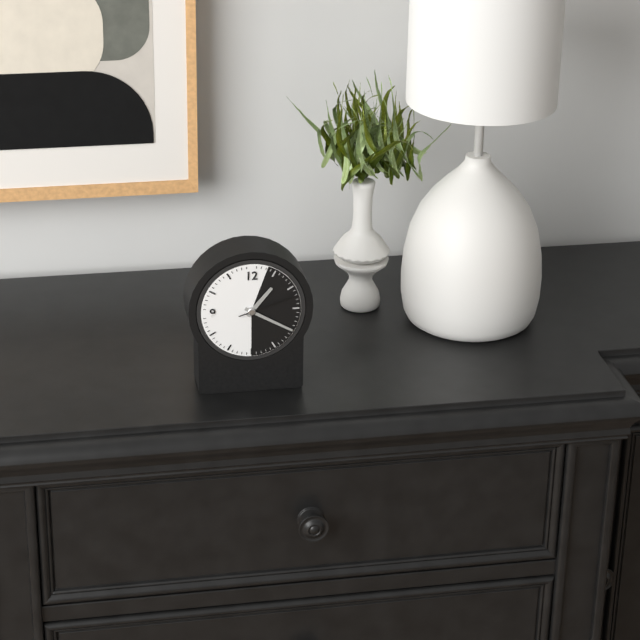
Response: 1:20:12
